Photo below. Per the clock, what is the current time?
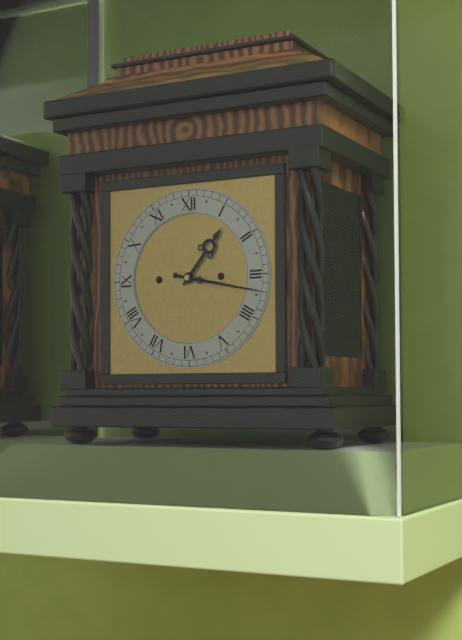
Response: 1:17
